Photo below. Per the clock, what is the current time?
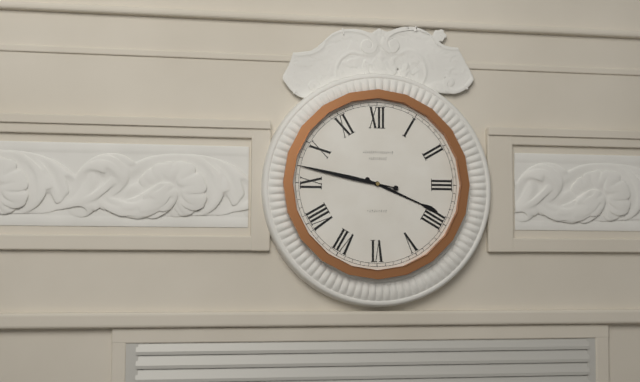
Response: 3:47
